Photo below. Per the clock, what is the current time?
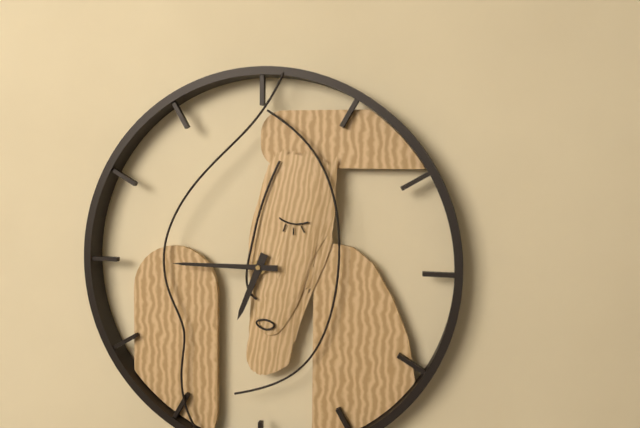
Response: 6:45
